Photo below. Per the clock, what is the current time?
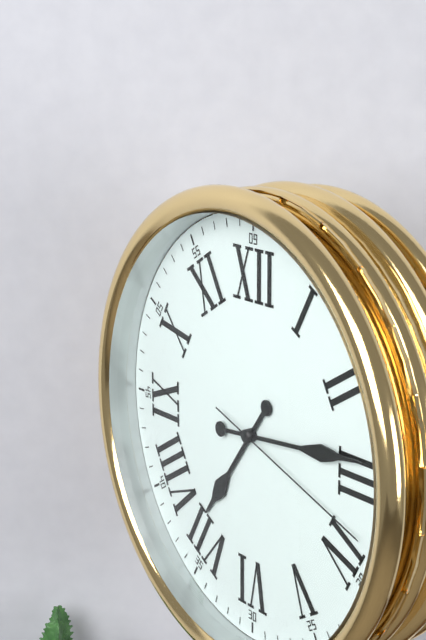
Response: 7:14:18
